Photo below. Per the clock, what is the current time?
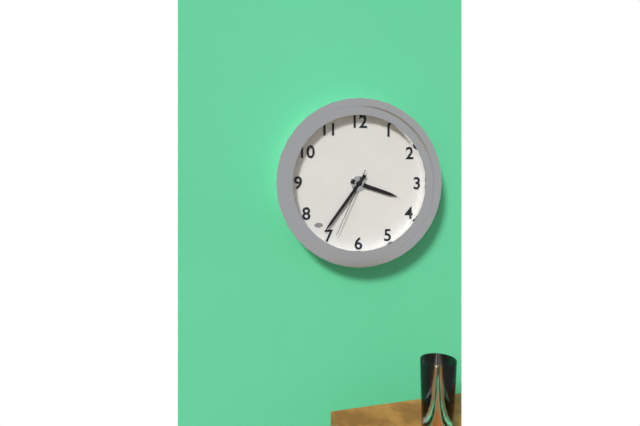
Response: 3:36:34
